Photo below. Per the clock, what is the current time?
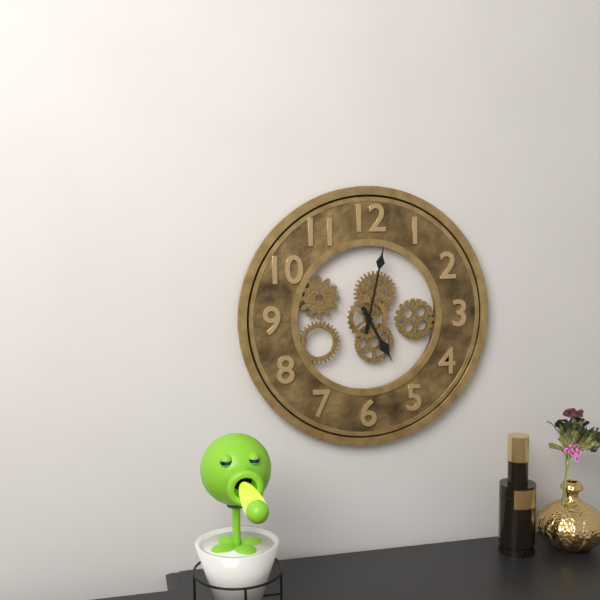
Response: 5:02
